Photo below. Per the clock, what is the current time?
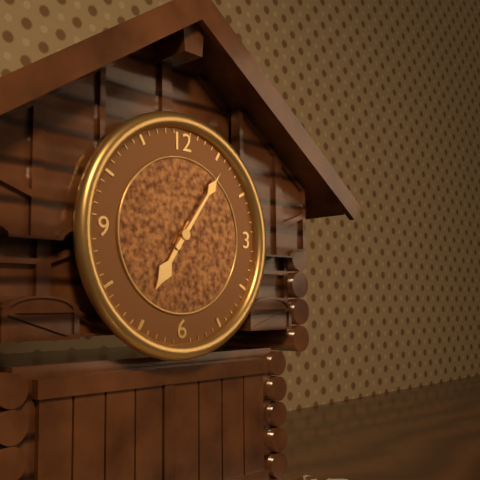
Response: 7:06
